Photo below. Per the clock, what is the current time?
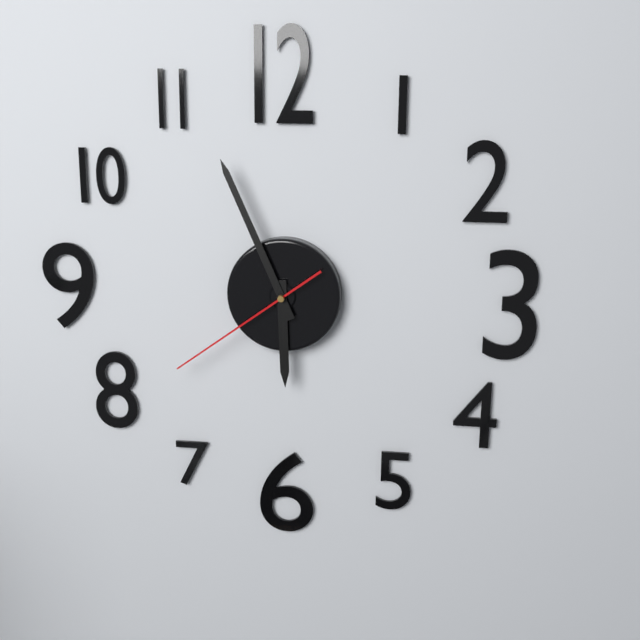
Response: 5:56:39
